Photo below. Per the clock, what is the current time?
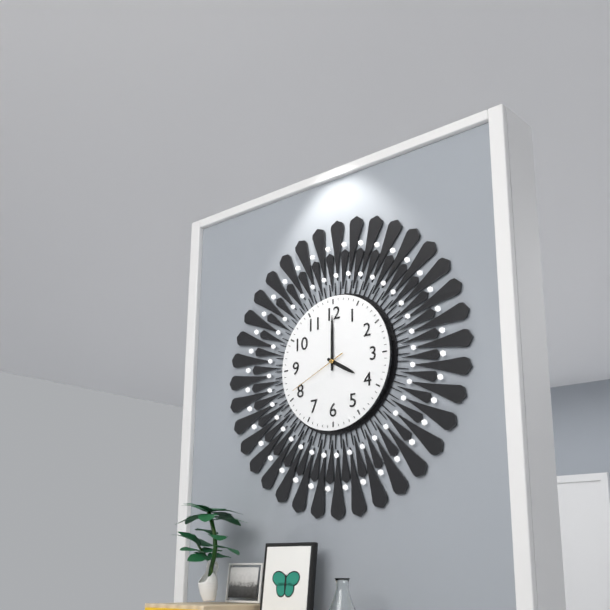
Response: 4:00:41
